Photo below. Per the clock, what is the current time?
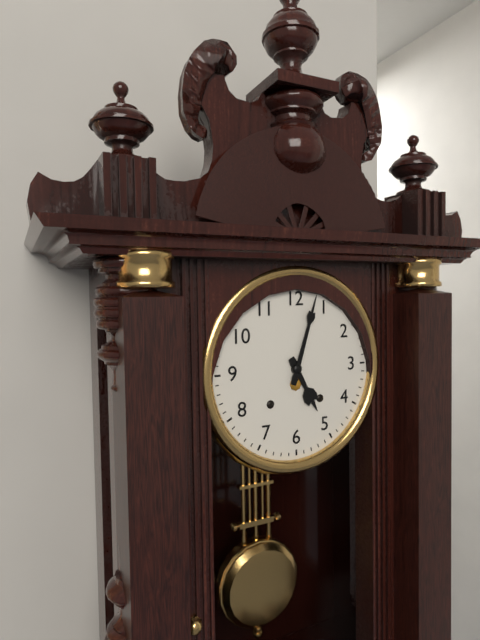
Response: 5:03
